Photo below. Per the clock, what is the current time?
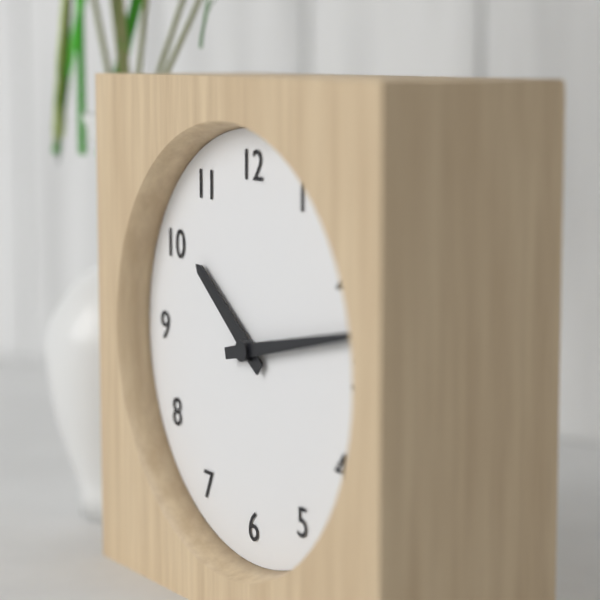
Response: 10:13
